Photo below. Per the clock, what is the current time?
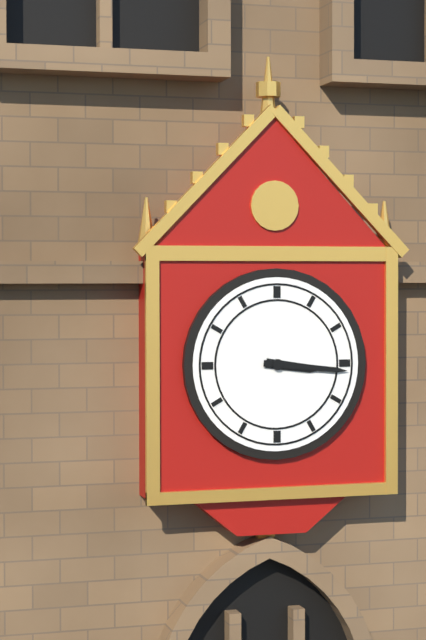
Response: 3:16
